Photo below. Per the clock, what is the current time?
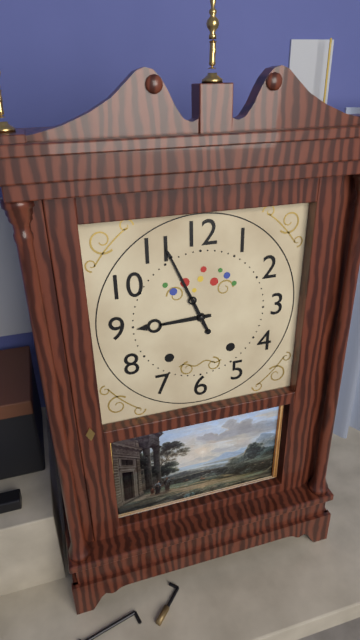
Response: 8:56
